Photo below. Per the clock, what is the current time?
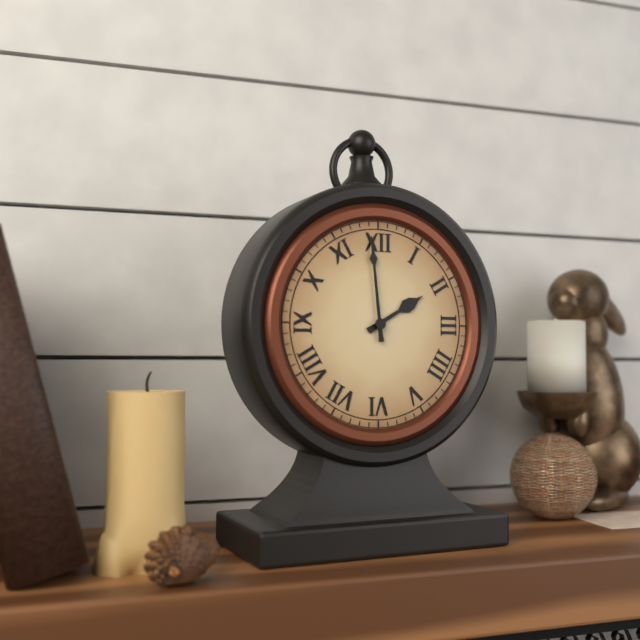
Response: 1:59
